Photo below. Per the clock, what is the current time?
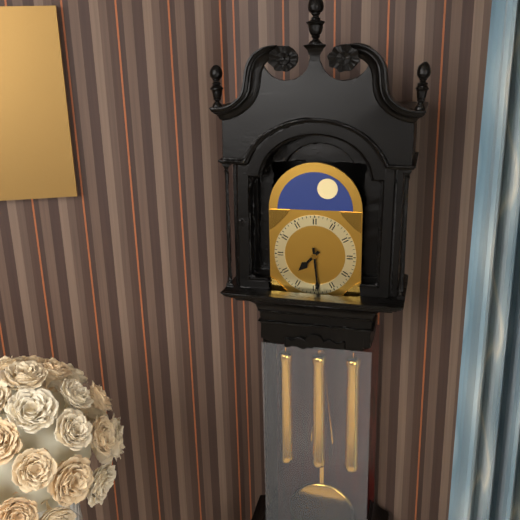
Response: 7:29
